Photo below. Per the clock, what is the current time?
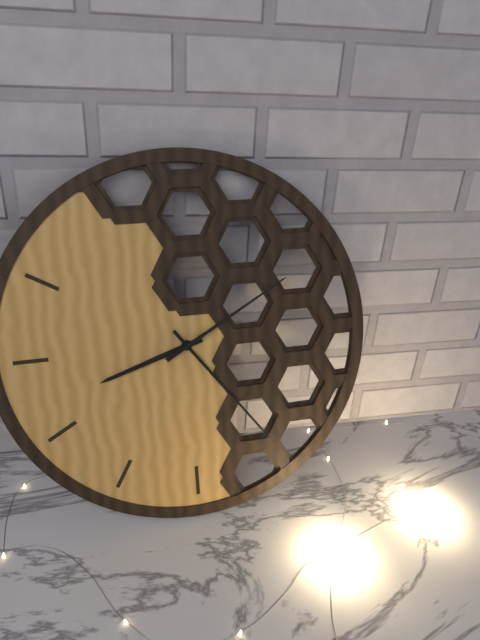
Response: 8:24:10
